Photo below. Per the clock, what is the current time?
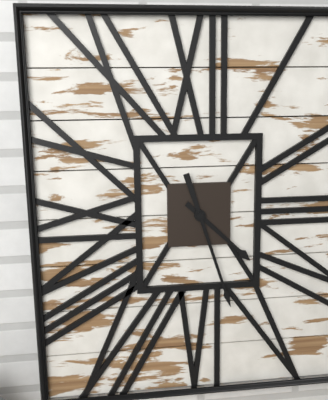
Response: 4:27
